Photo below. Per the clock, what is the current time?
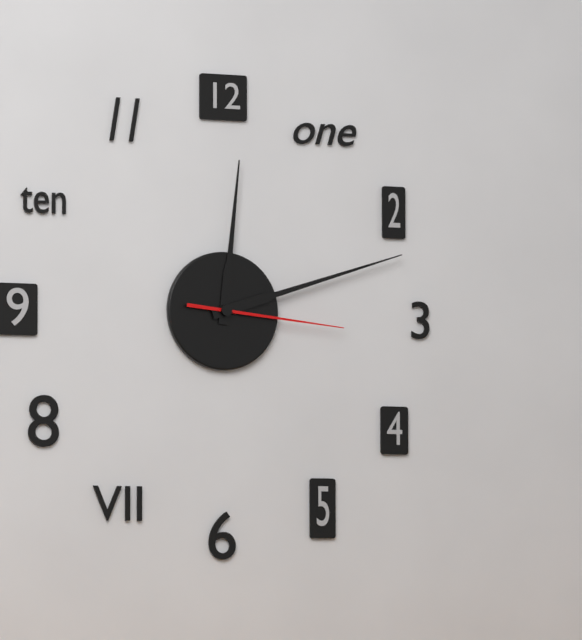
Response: 12:12:16
